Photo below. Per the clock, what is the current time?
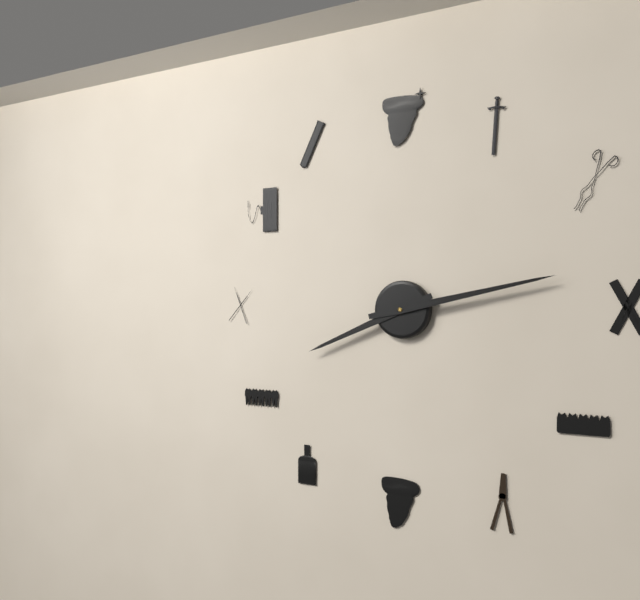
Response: 8:13
